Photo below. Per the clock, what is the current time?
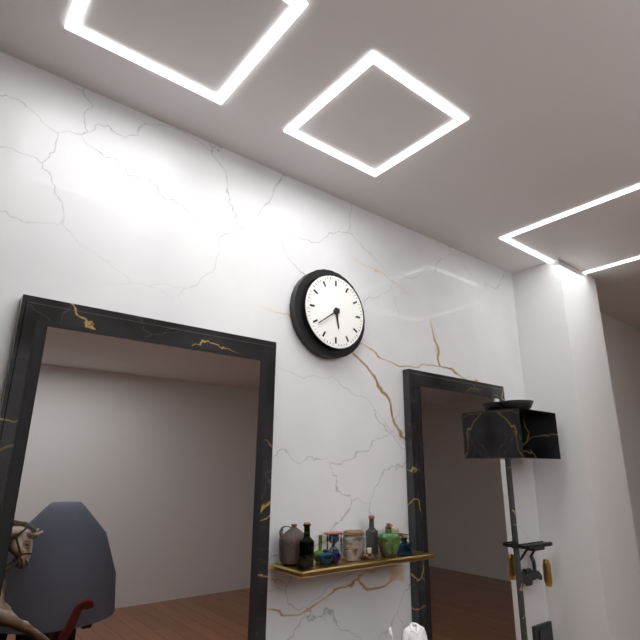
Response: 5:39
